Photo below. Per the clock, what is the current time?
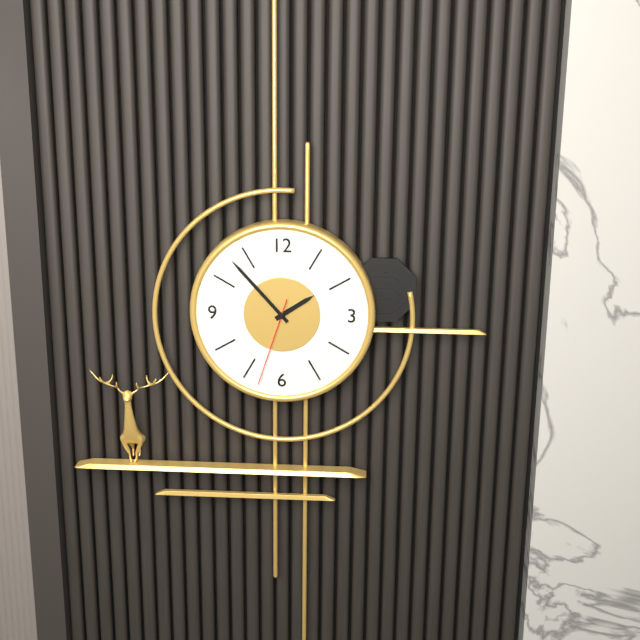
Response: 1:53:33
